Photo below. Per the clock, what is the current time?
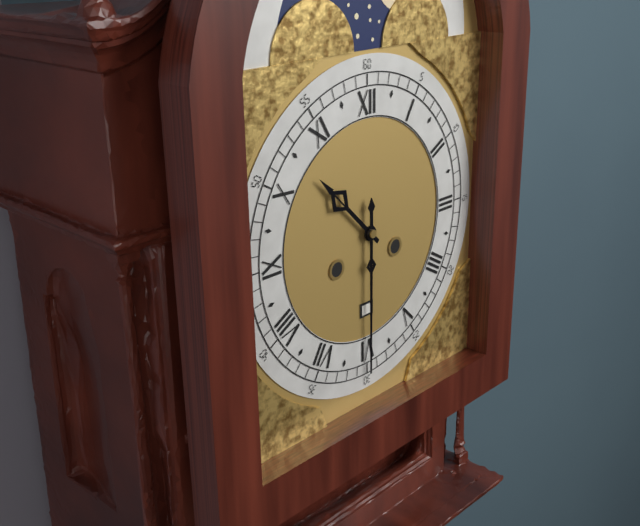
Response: 10:30
